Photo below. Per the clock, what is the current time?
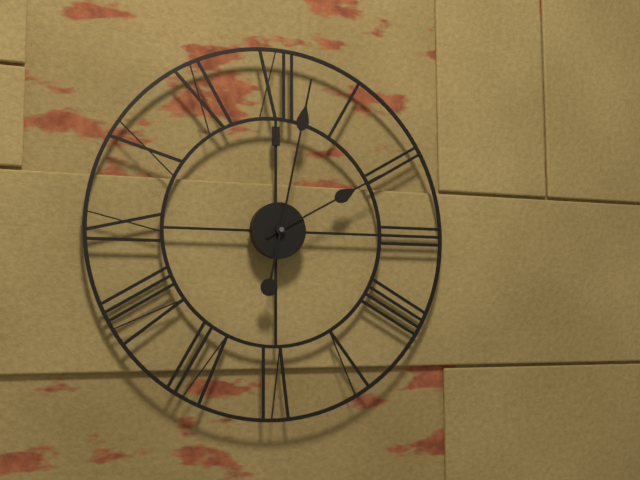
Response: 2:02
